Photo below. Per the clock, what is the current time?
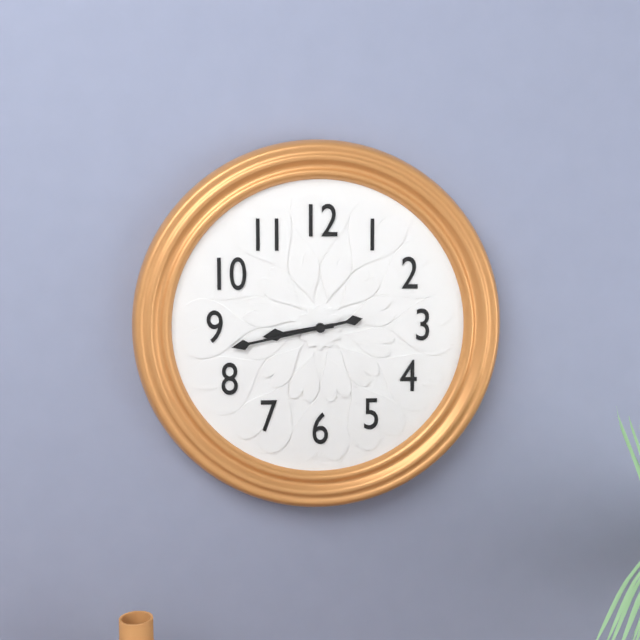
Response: 8:43
